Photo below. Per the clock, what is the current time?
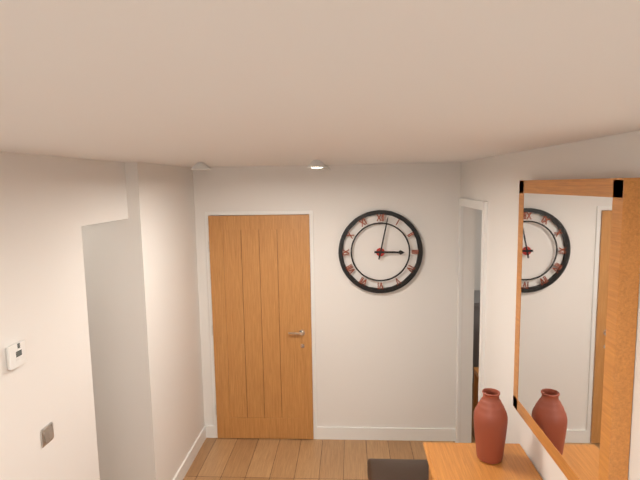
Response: 3:02
